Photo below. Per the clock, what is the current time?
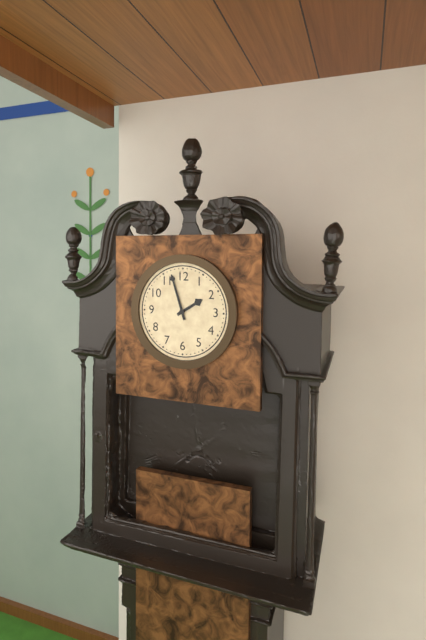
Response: 1:57
